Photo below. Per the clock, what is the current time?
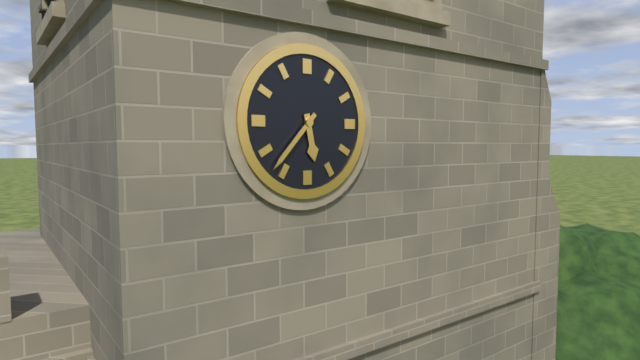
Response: 5:37
